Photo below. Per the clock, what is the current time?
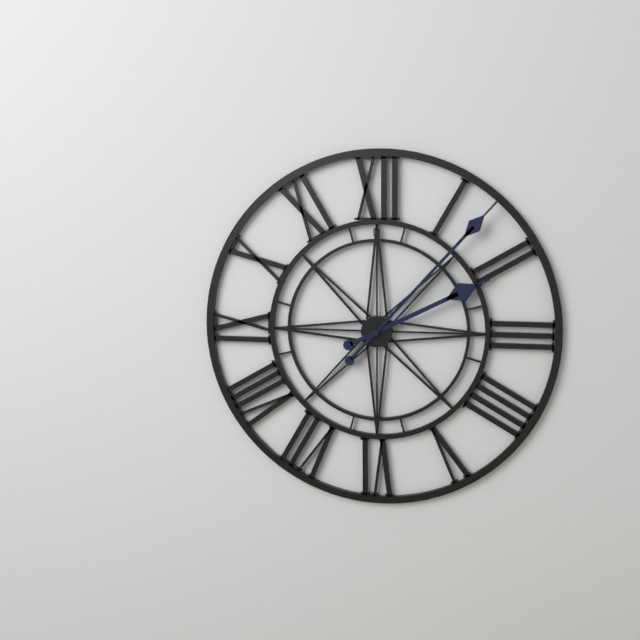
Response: 2:07
